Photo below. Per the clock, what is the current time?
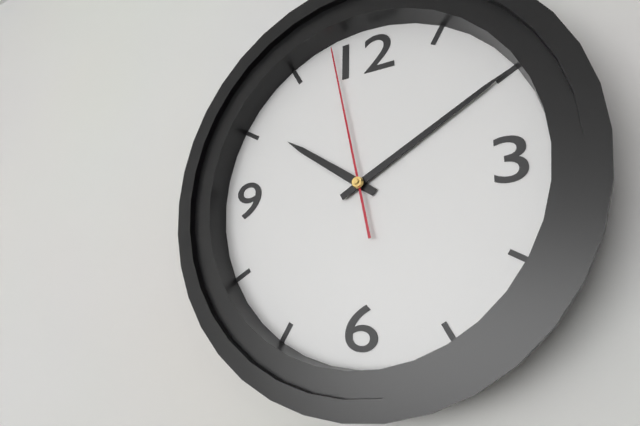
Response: 10:10:58
